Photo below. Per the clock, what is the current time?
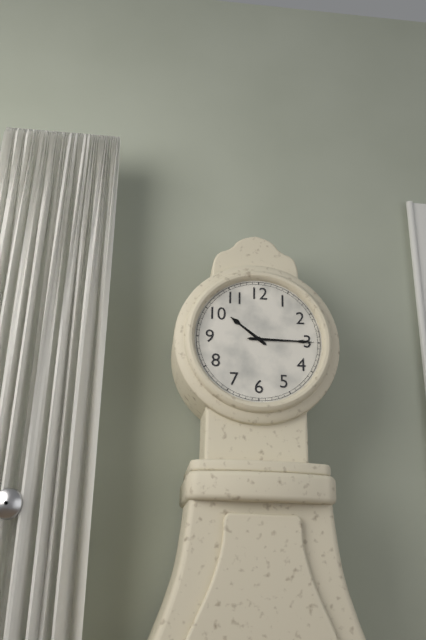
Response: 10:15
